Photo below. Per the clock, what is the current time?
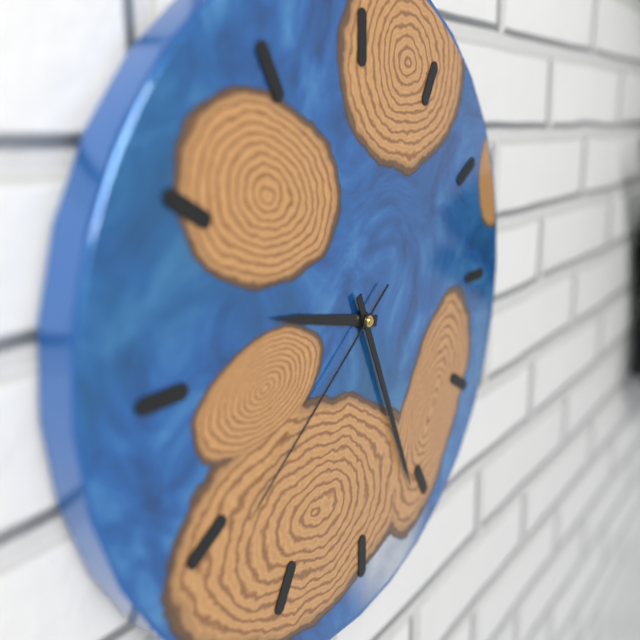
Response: 9:26:39
